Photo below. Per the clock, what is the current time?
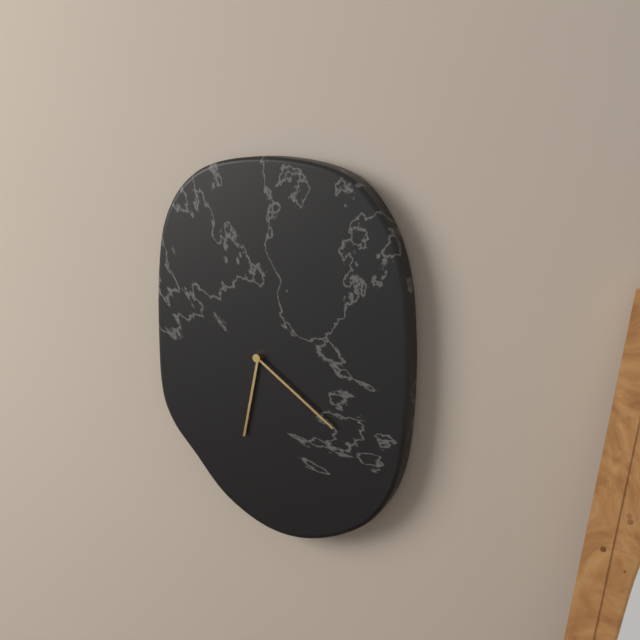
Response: 6:21
